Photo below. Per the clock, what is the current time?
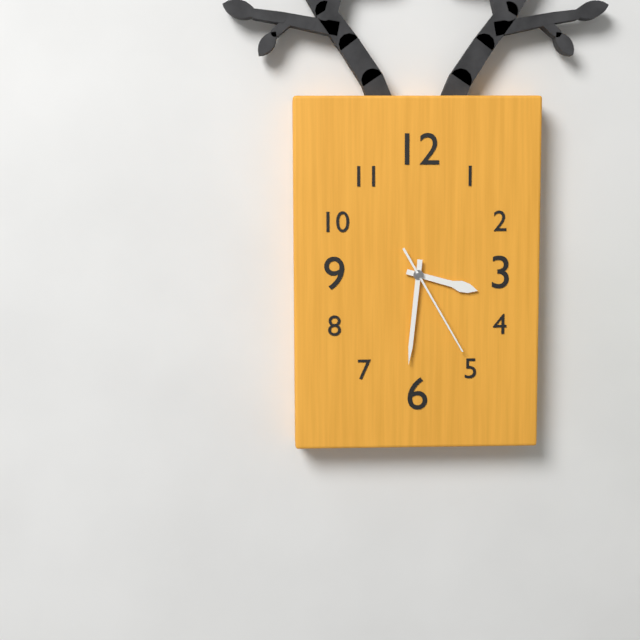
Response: 3:31:25
